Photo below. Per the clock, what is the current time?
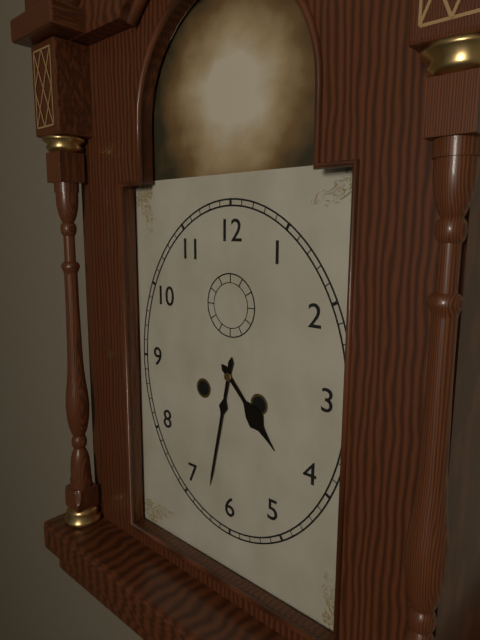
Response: 4:32
